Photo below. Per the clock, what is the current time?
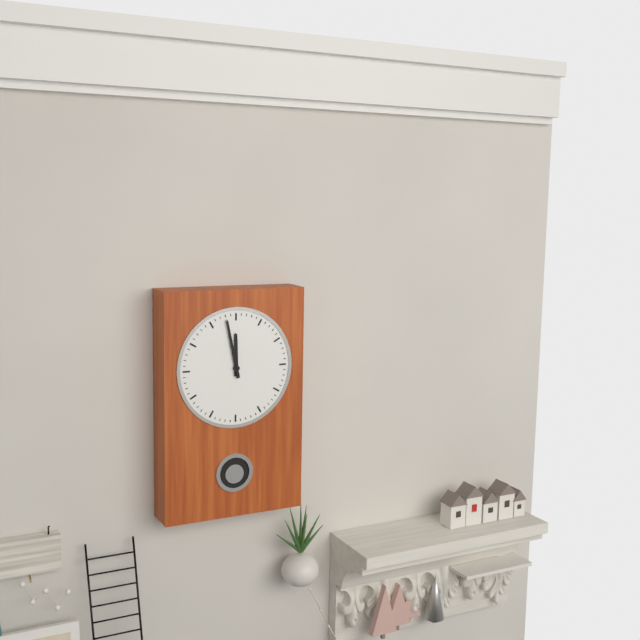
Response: 11:58
